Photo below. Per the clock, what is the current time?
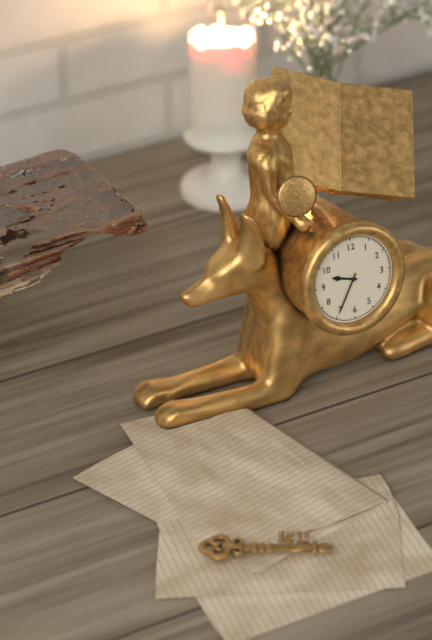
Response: 9:35
